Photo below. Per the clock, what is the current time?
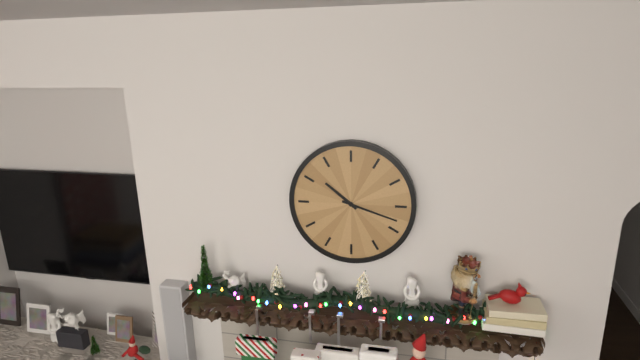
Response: 10:18
